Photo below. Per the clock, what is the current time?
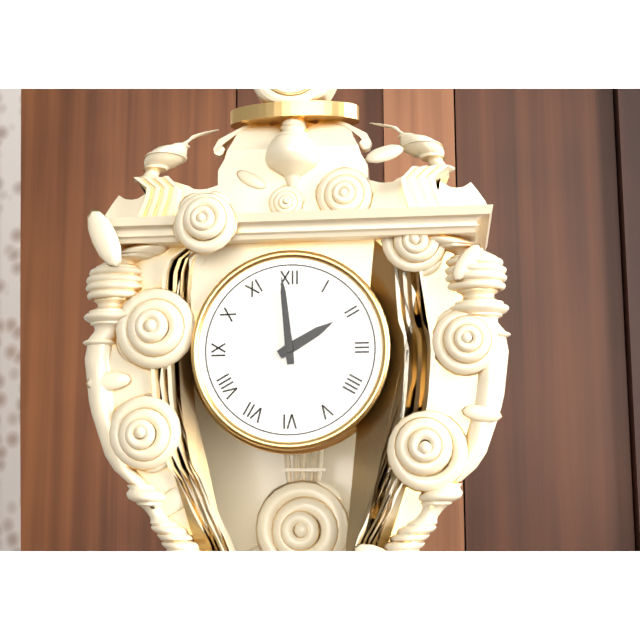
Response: 1:59
